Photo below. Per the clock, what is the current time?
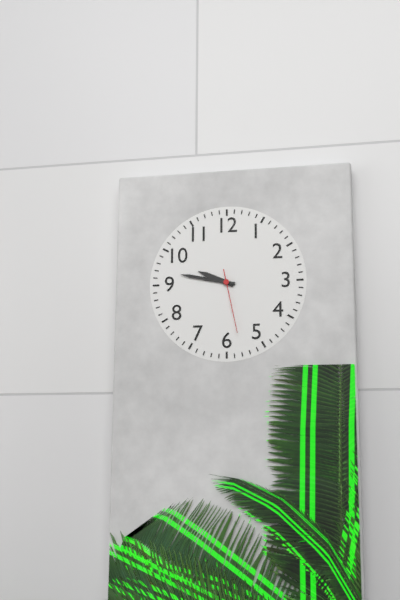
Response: 9:47:28
